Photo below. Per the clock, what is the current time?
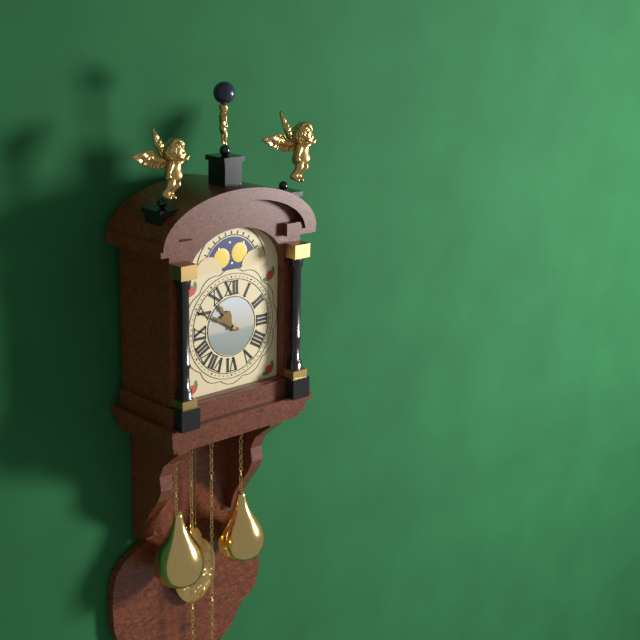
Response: 10:50
